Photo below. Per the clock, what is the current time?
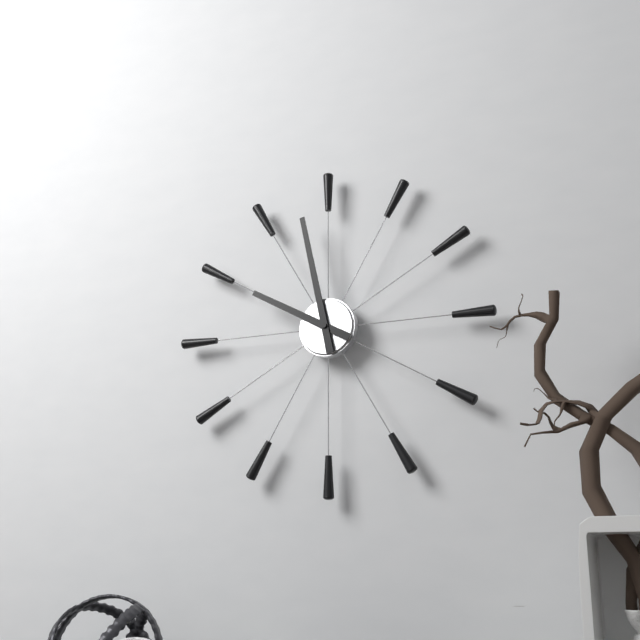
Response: 9:58
